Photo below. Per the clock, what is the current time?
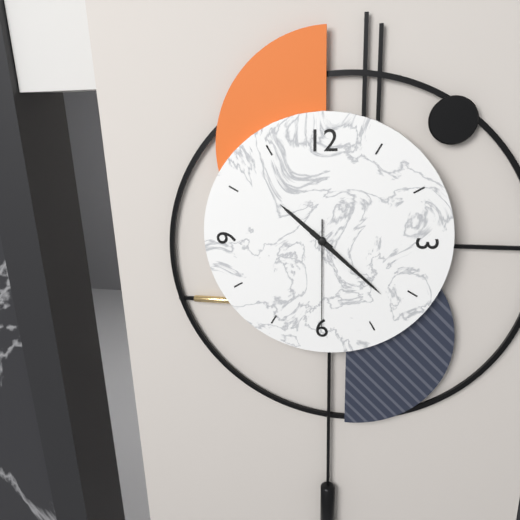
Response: 10:22:30
